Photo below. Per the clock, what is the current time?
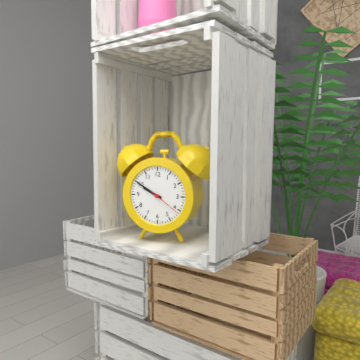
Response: 9:50
